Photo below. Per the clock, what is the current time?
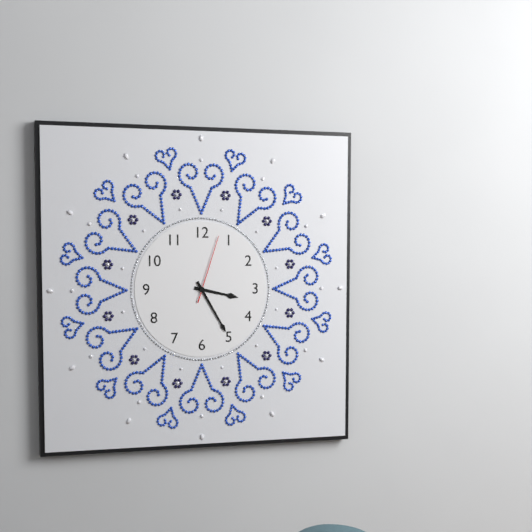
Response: 3:25:03
